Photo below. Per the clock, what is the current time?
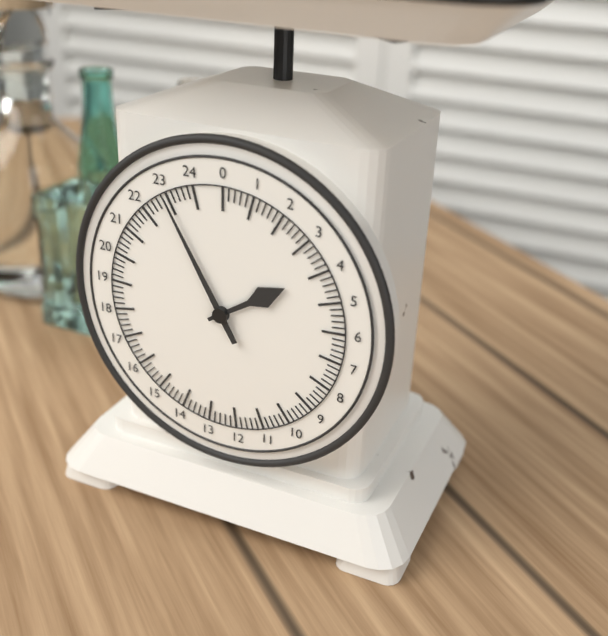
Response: 1:55
